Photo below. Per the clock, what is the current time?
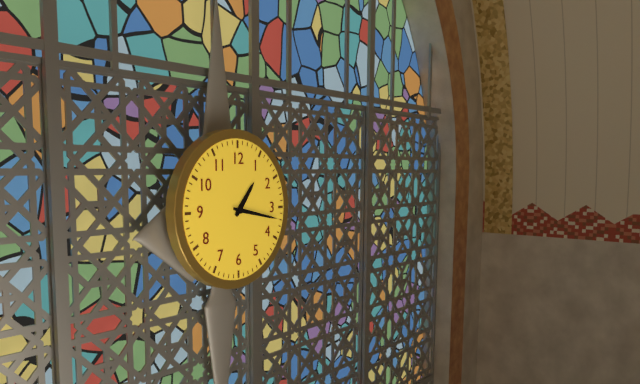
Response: 1:17
